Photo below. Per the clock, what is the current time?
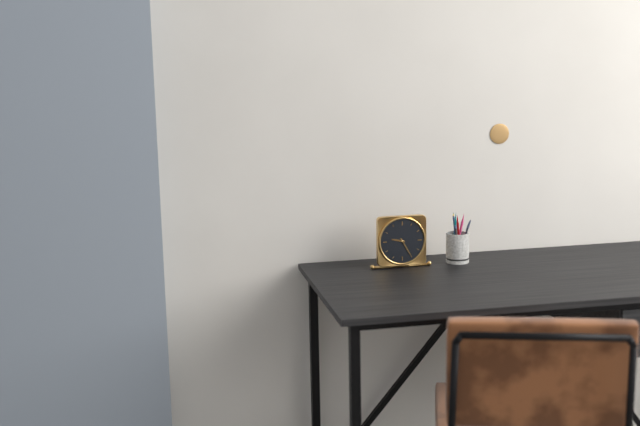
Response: 9:25
